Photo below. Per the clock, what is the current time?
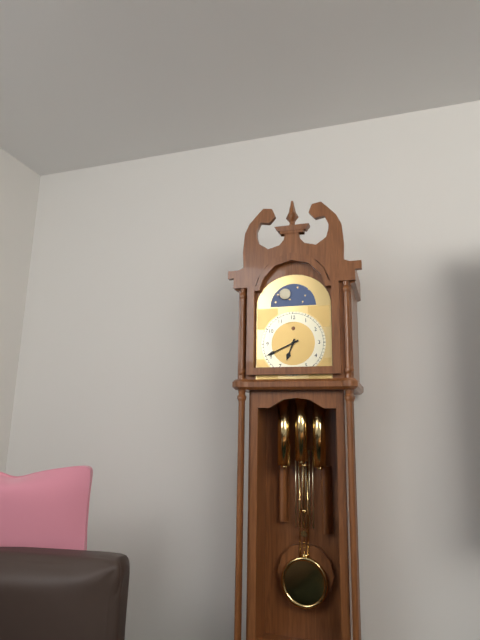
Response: 6:41
